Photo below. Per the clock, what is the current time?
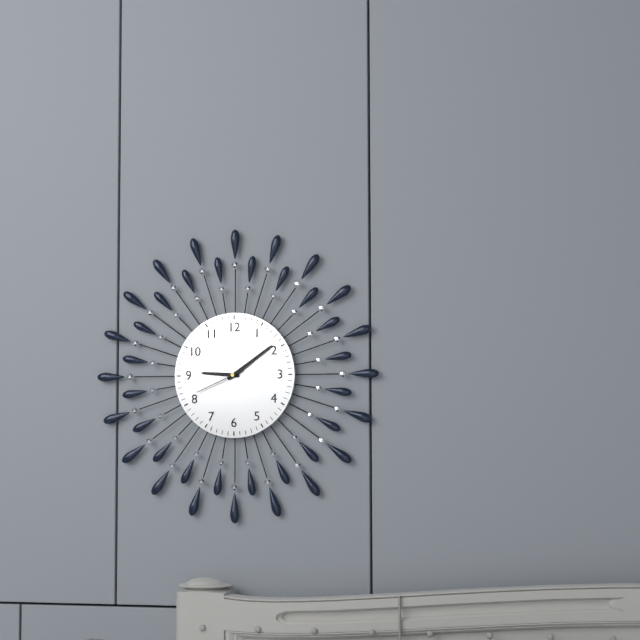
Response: 9:09:41
